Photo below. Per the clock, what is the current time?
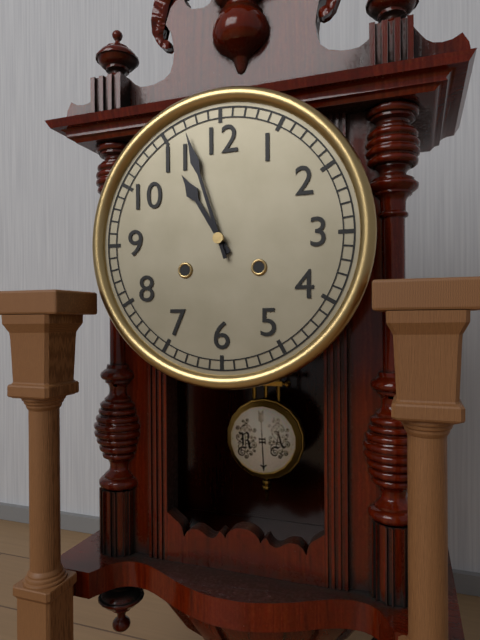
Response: 10:57
